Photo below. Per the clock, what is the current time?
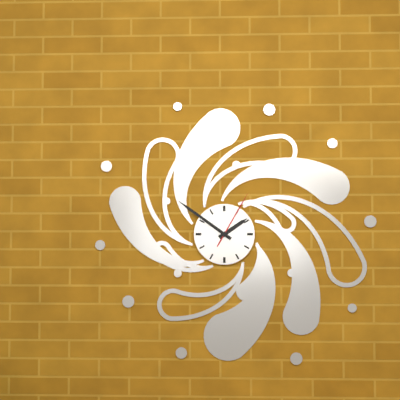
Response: 1:51:05
